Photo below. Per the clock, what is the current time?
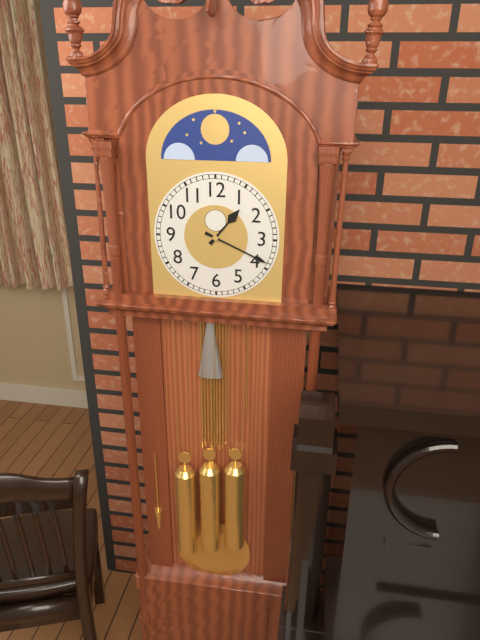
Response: 1:19
